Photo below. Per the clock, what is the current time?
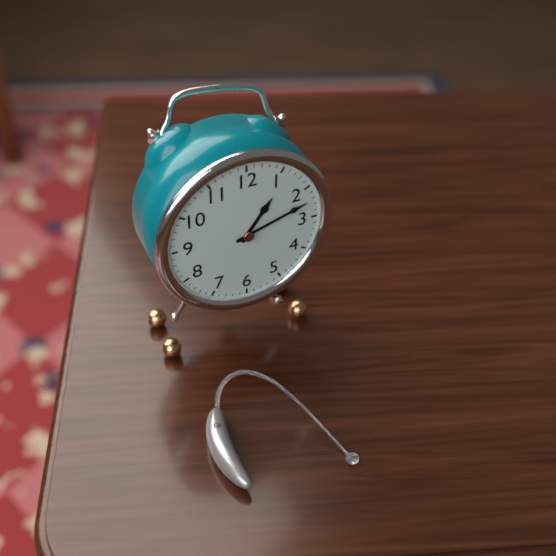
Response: 1:12
